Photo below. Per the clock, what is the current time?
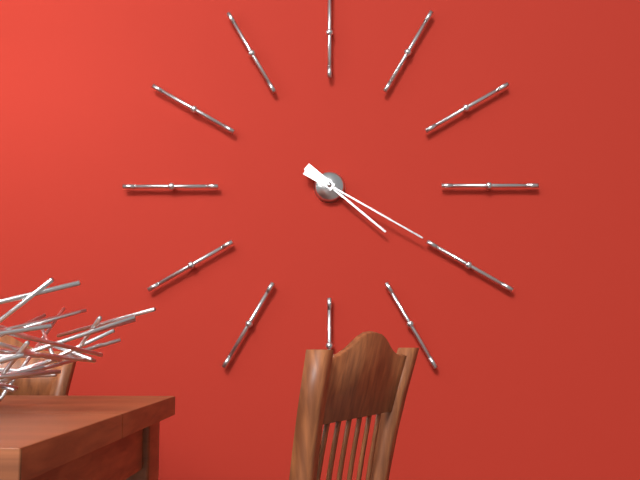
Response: 4:20
